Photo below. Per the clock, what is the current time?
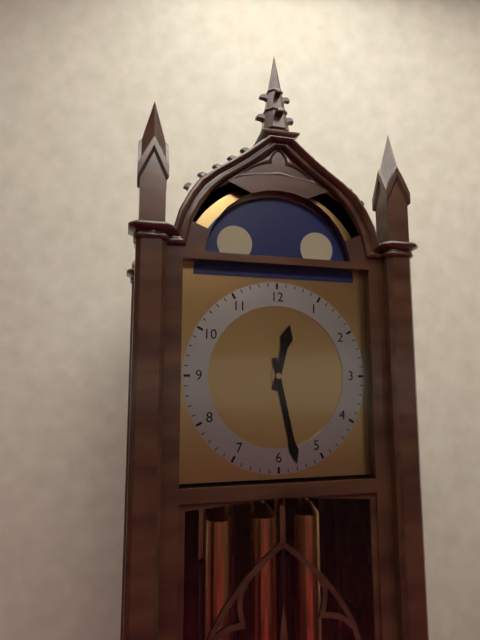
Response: 12:28
